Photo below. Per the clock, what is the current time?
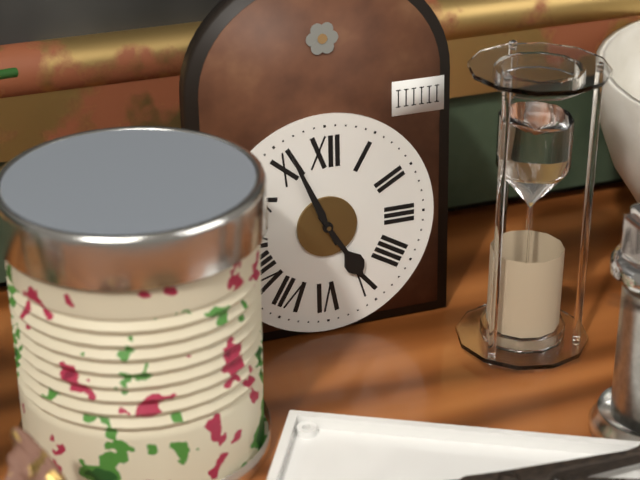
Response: 4:56
